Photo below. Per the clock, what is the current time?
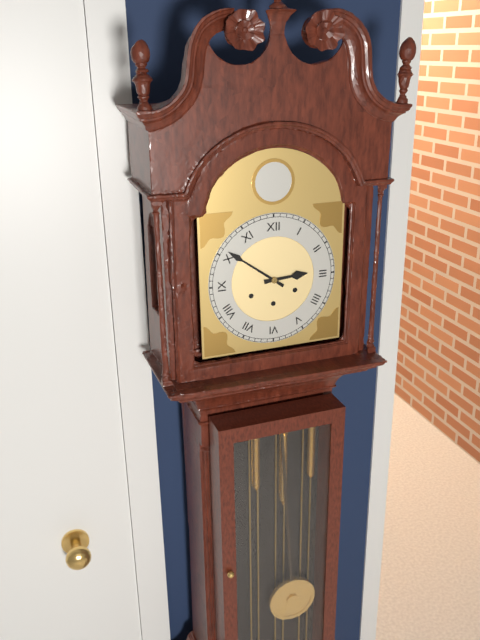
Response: 2:51
